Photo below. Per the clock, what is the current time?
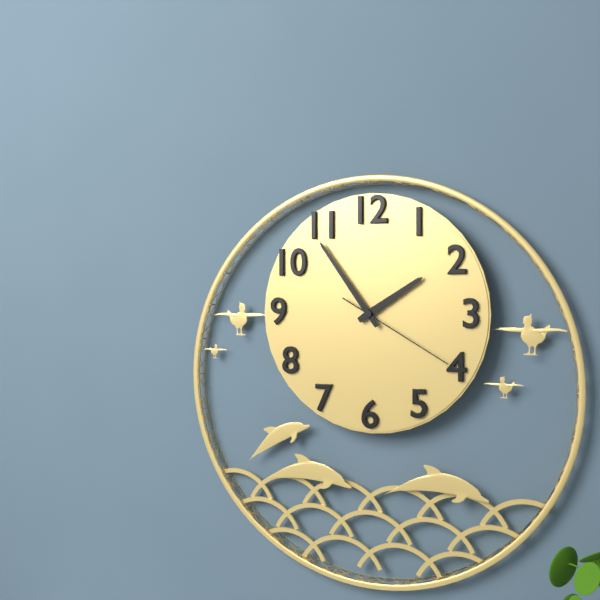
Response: 1:54:20
